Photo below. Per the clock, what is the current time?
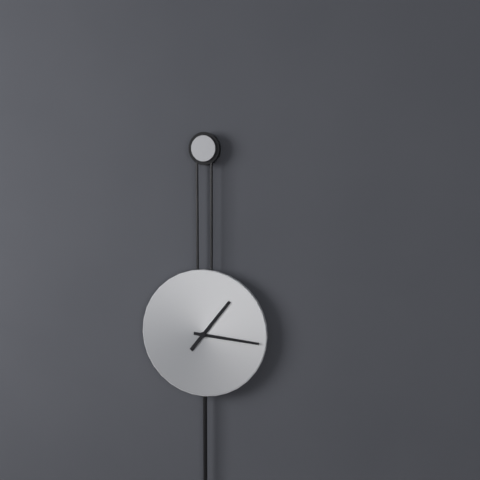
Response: 1:16
